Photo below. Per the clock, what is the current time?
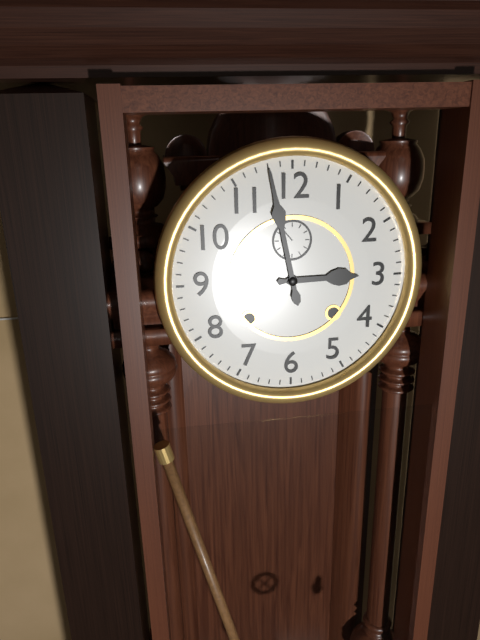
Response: 2:58
